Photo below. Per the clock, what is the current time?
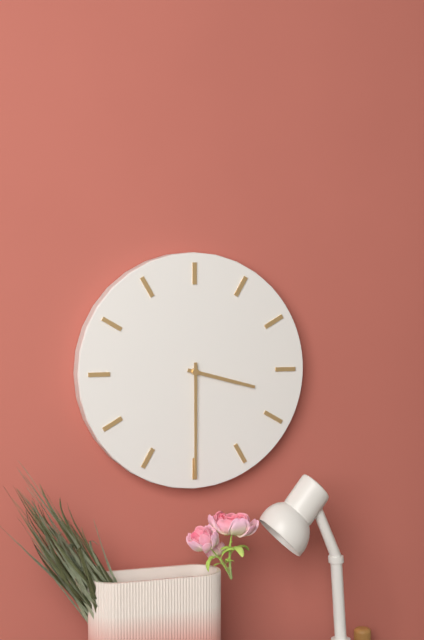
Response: 3:30
